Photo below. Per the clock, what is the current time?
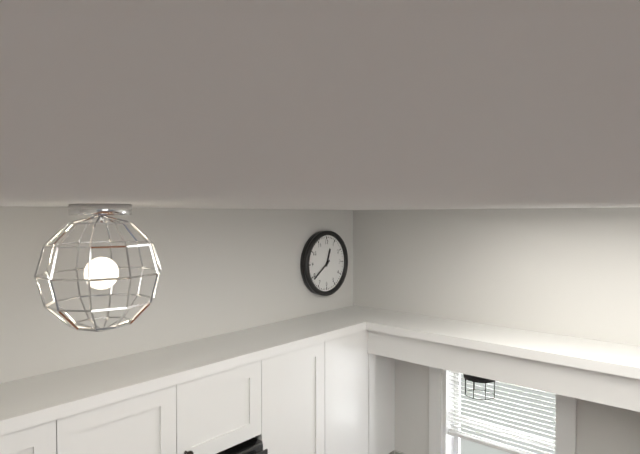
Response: 12:39
